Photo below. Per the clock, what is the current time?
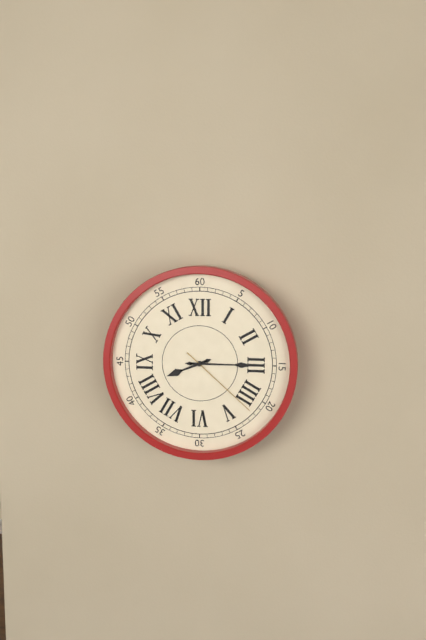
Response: 8:15:22
